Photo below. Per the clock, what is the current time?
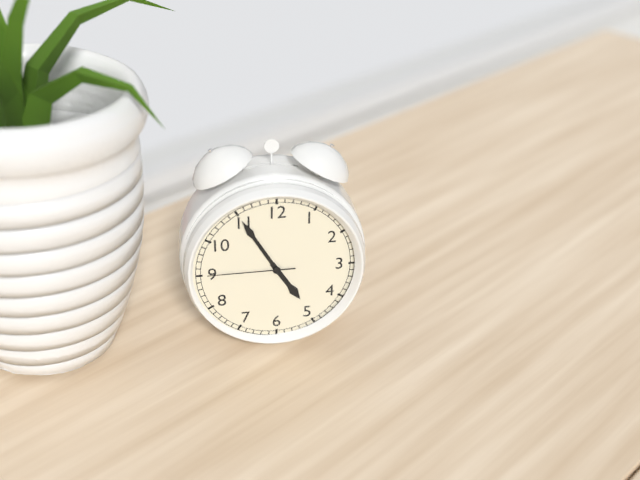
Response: 4:55:45
